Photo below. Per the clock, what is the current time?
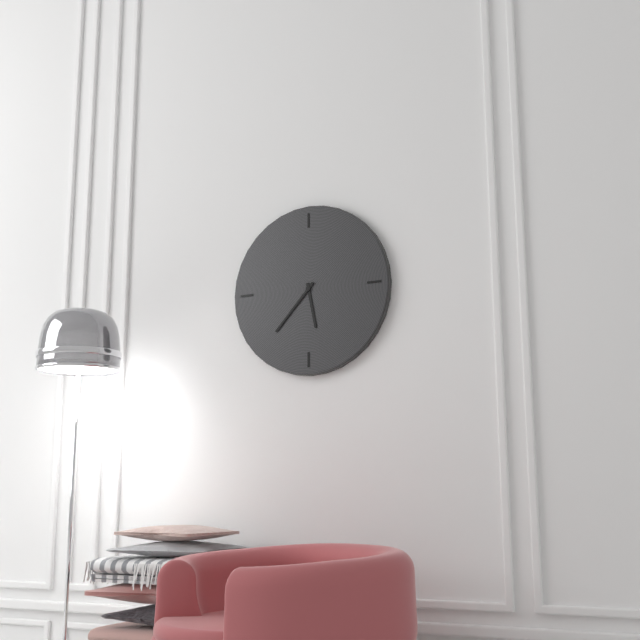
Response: 5:37
